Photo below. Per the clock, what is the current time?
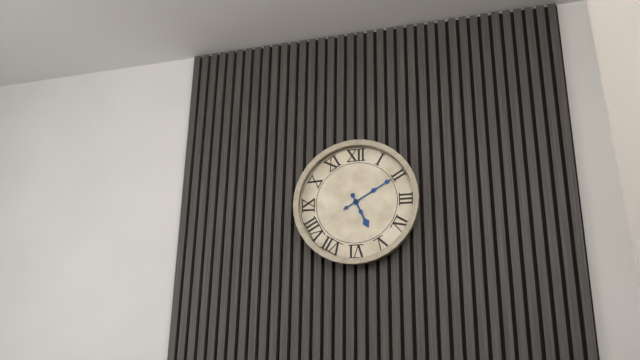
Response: 5:10
